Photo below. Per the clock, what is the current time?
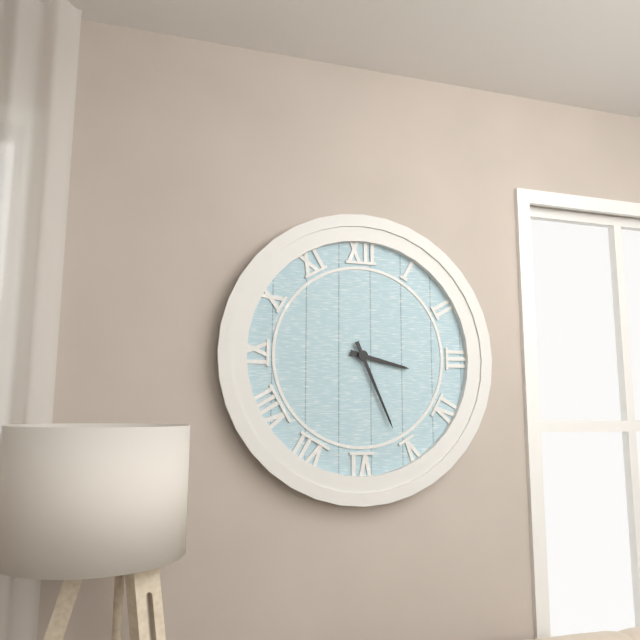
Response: 3:26
